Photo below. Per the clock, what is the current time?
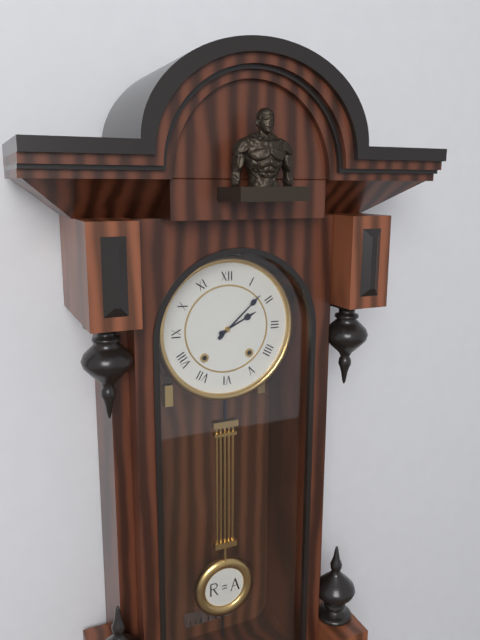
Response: 2:08
